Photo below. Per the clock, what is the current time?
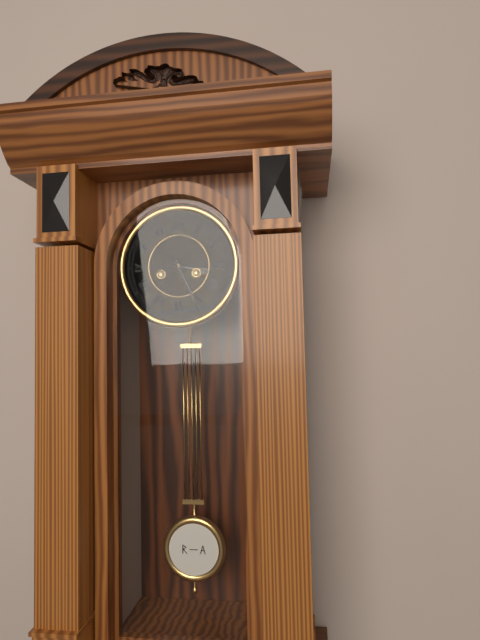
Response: 3:26
